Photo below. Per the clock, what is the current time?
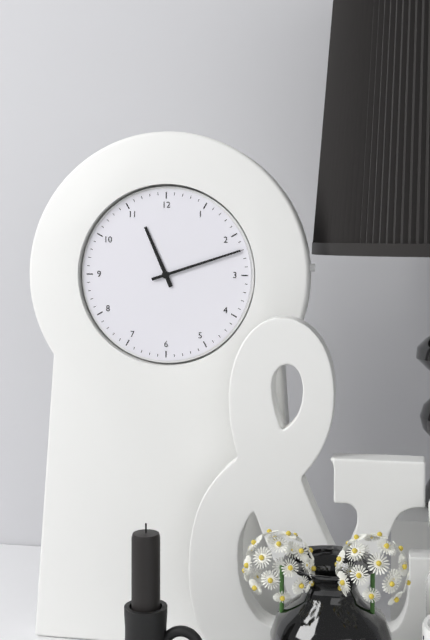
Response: 11:12
